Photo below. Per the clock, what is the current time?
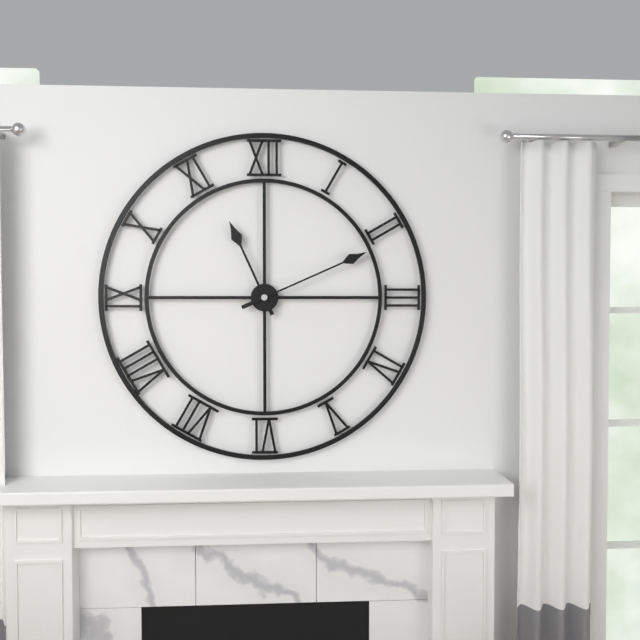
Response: 11:11
